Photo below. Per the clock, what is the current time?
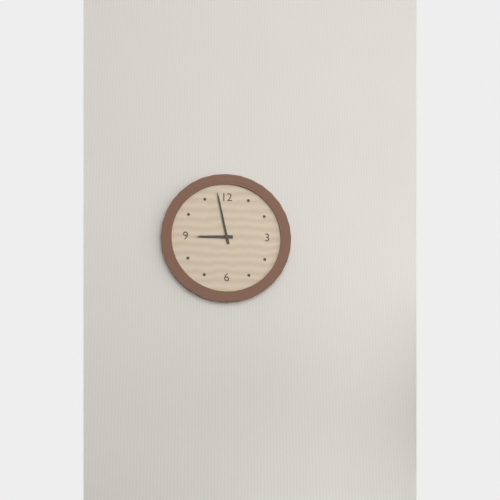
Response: 8:58
